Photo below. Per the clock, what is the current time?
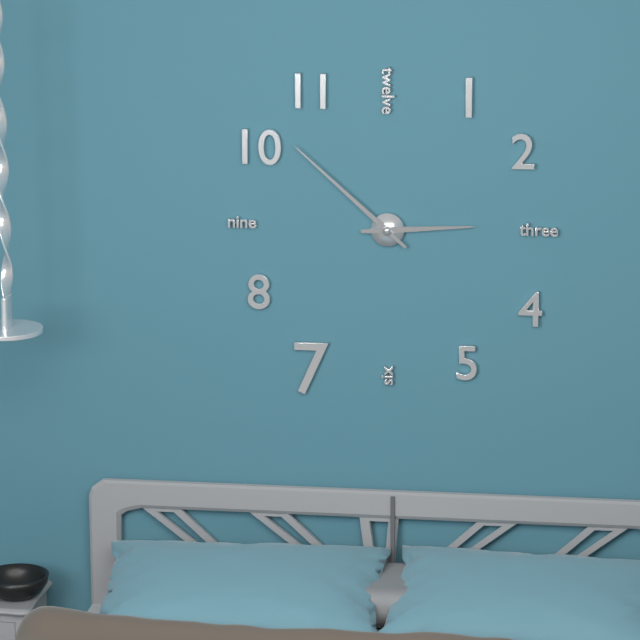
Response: 2:52
